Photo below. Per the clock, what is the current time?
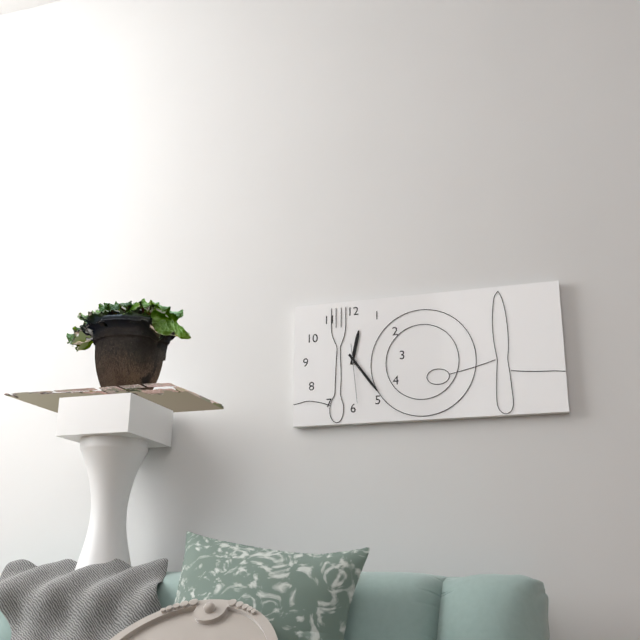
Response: 12:24:29
